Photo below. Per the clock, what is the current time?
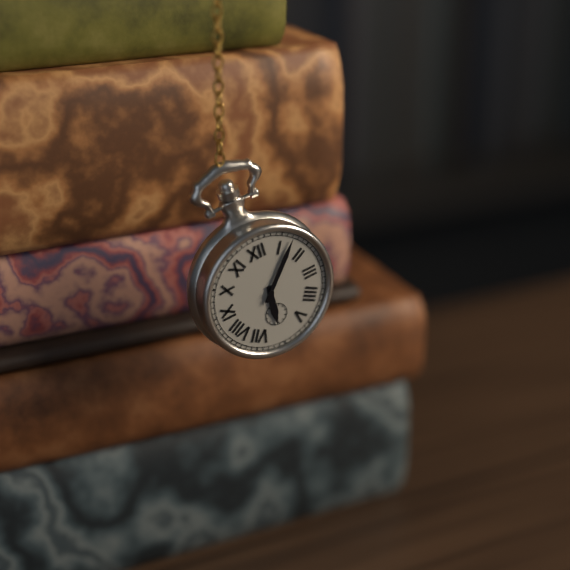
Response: 6:07
